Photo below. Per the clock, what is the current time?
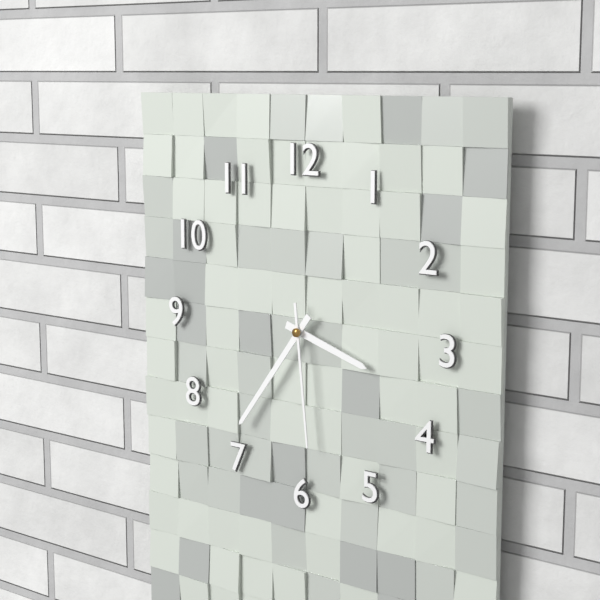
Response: 3:36:29
